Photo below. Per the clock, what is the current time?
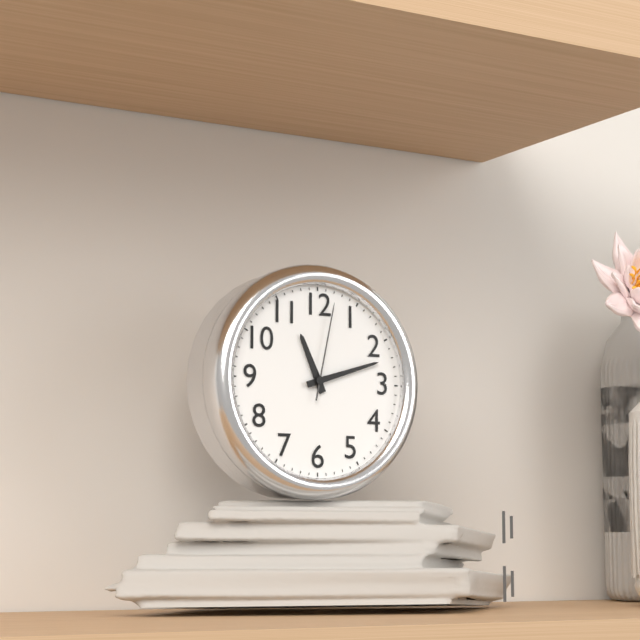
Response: 11:12:02
